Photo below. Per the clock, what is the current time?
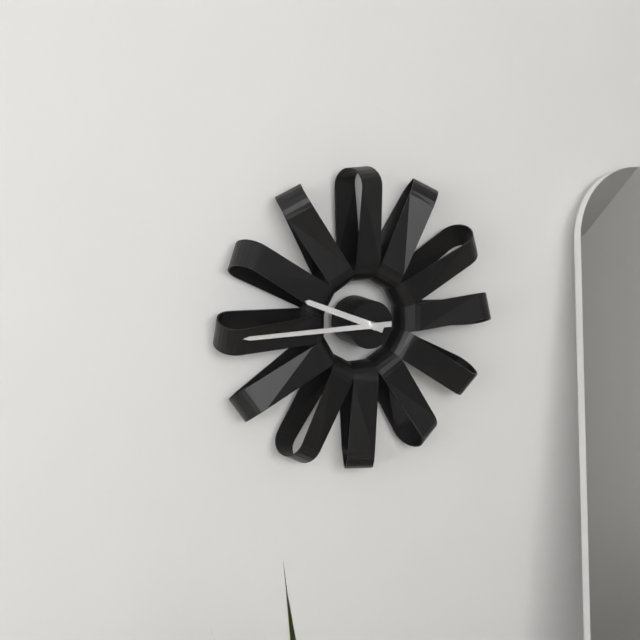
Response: 9:45
